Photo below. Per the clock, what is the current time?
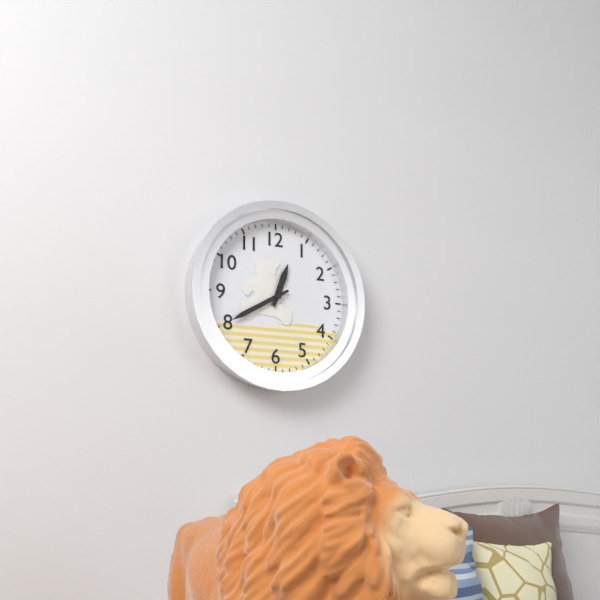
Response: 12:40
